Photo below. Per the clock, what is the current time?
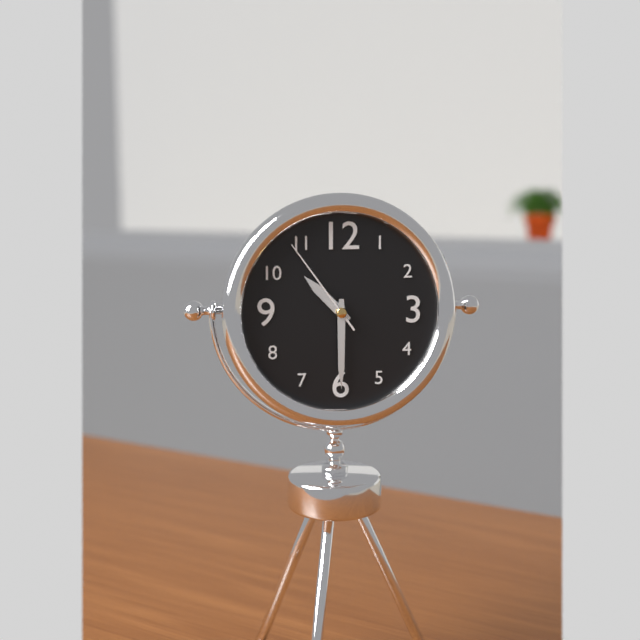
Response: 10:30:54
